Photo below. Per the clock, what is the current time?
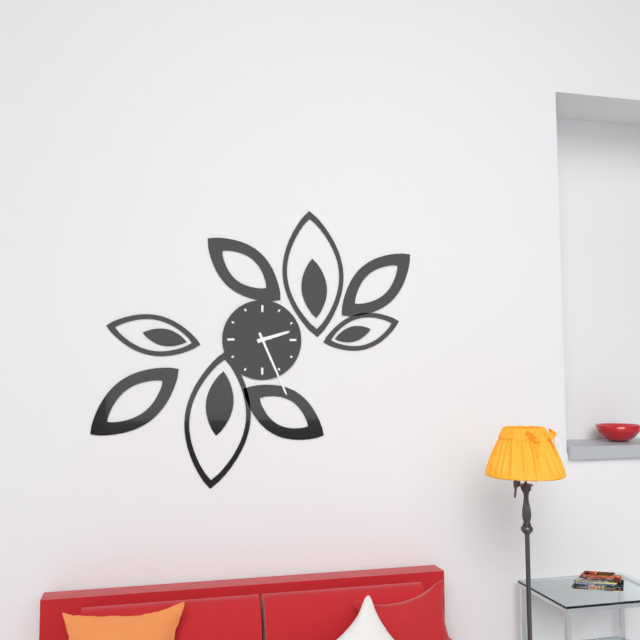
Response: 2:26
